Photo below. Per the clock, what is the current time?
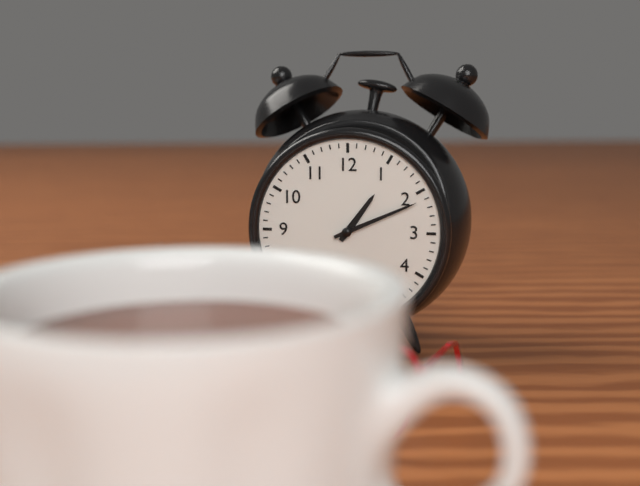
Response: 1:11
